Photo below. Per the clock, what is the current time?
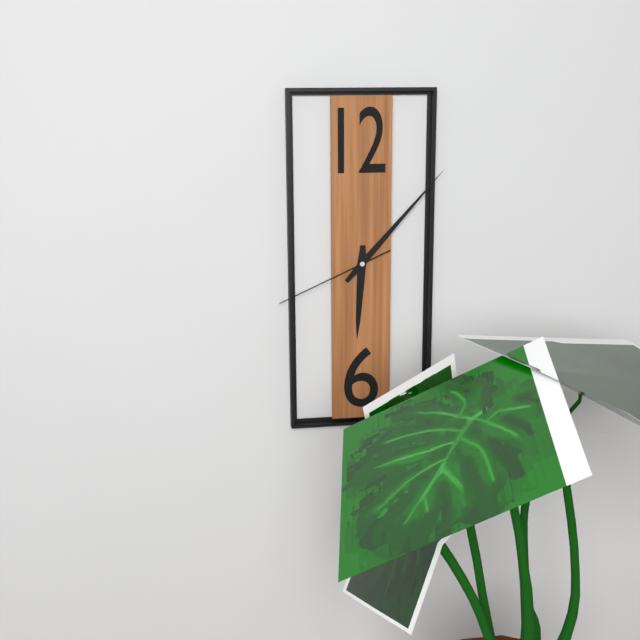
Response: 6:07:41
